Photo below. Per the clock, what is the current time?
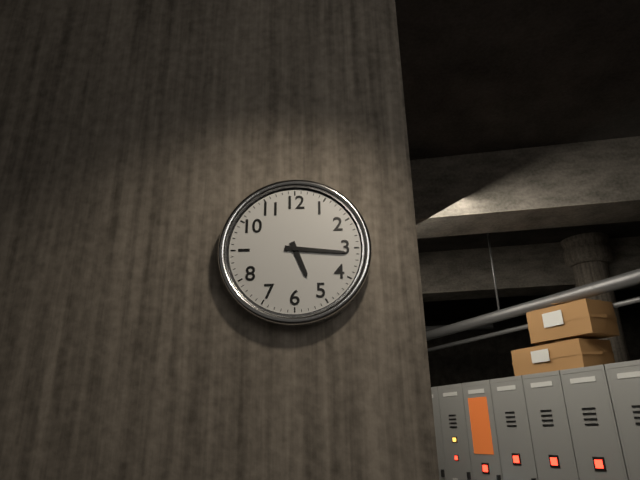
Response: 5:16
